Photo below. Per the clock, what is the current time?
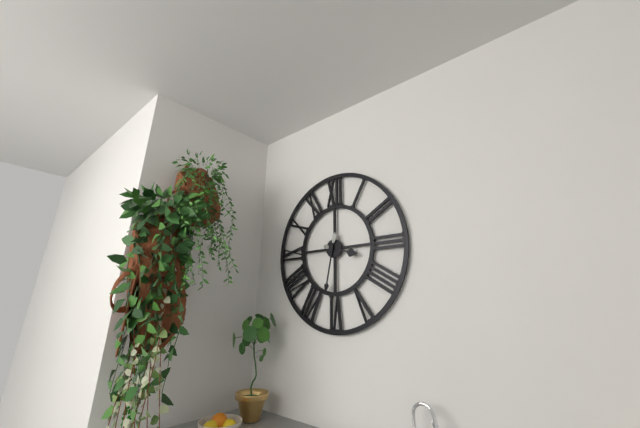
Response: 3:32
